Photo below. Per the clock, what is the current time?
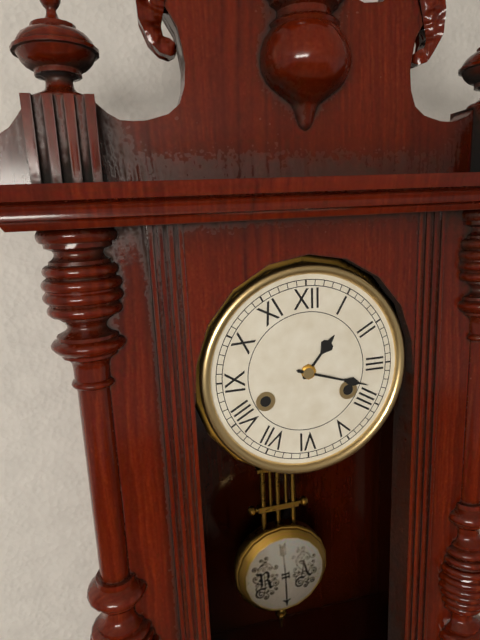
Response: 1:18
